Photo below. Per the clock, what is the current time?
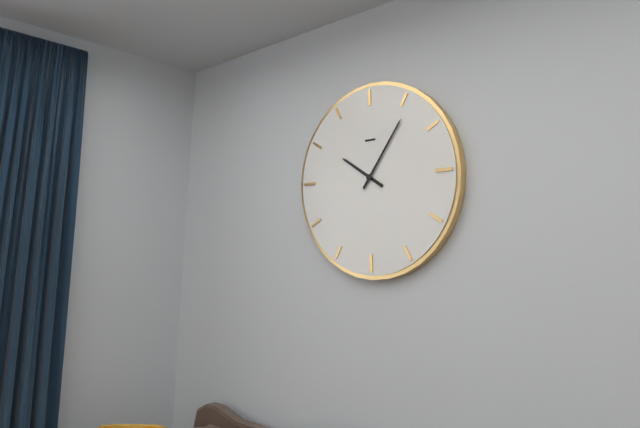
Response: 10:06
